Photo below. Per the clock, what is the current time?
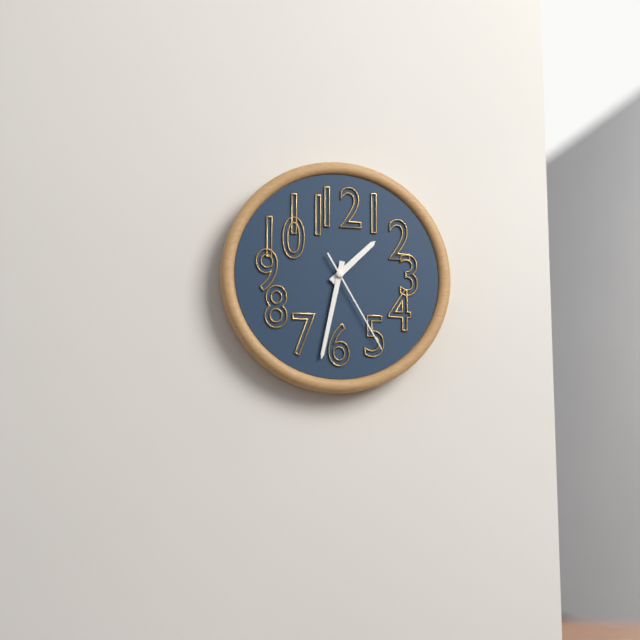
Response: 1:32:25
